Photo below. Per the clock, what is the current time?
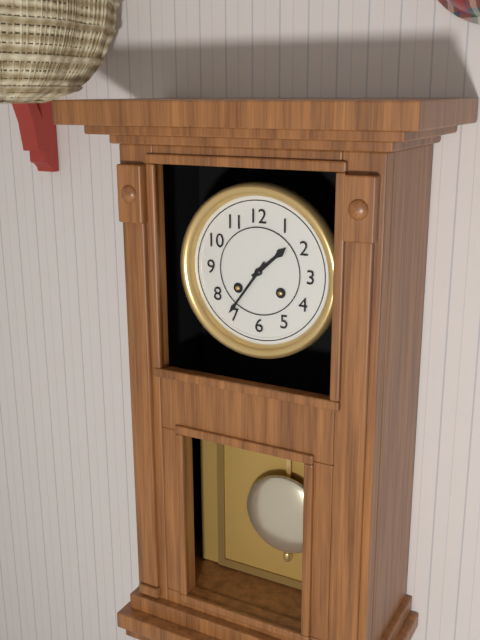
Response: 1:36
